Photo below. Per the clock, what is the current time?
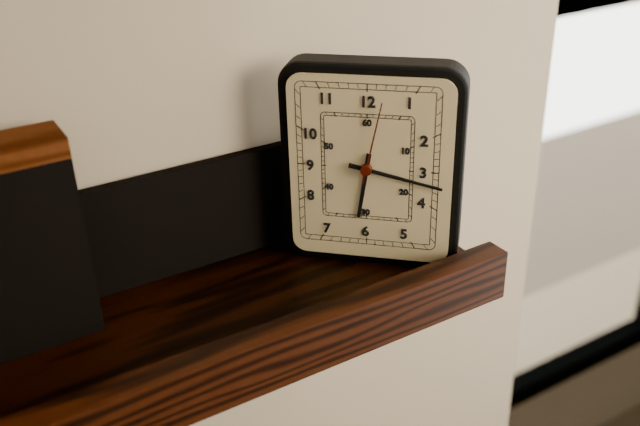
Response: 6:17:02
